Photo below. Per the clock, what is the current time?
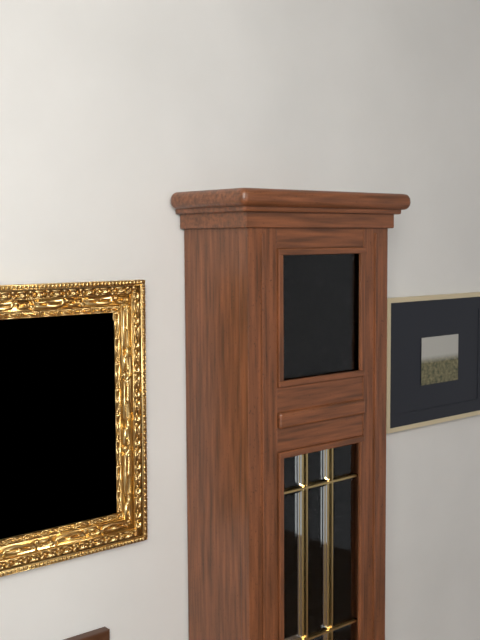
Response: 11:10
